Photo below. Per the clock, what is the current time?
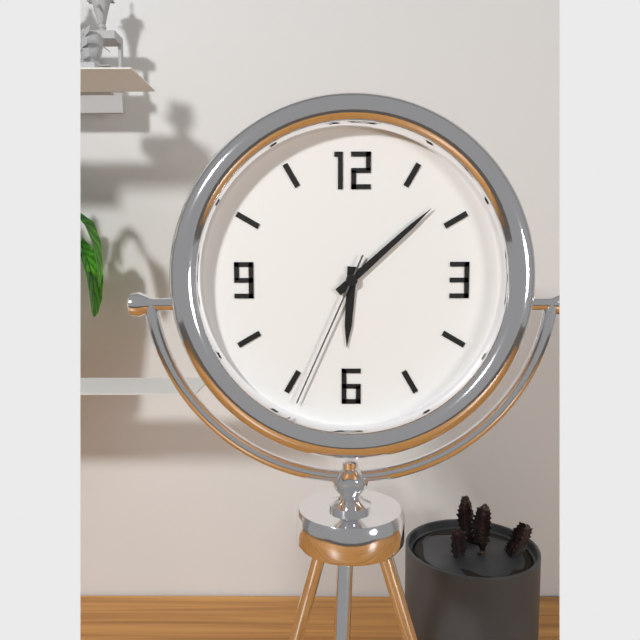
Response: 6:08:34
